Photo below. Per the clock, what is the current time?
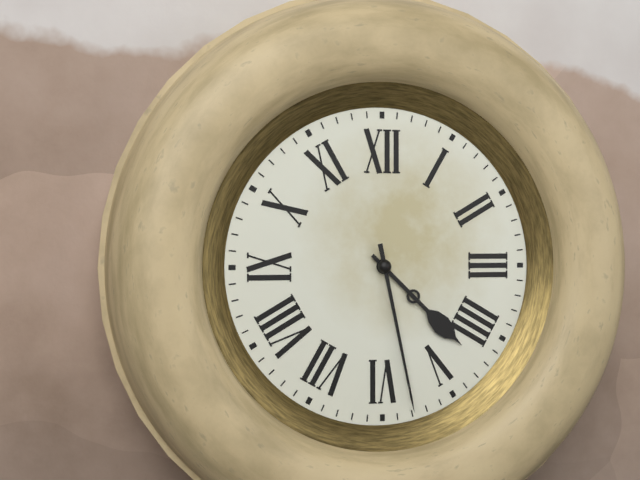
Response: 4:28
